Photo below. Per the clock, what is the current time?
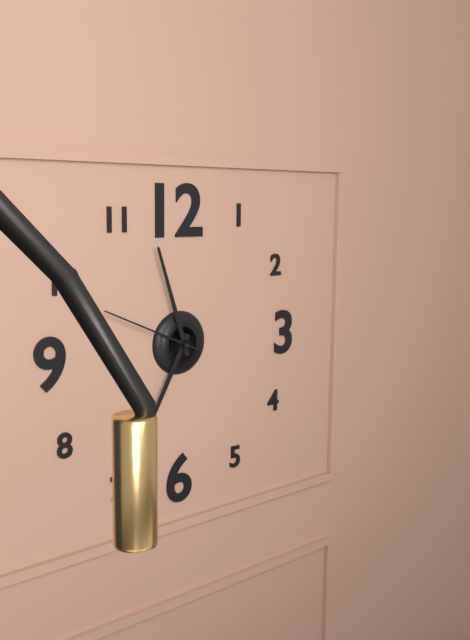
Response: 6:57:49
